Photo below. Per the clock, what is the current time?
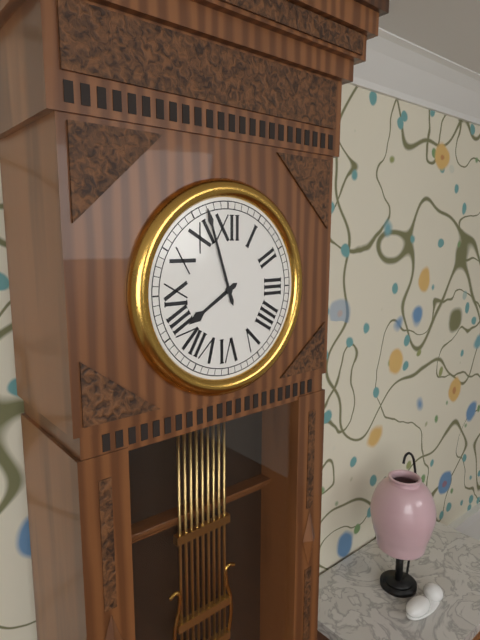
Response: 7:57
